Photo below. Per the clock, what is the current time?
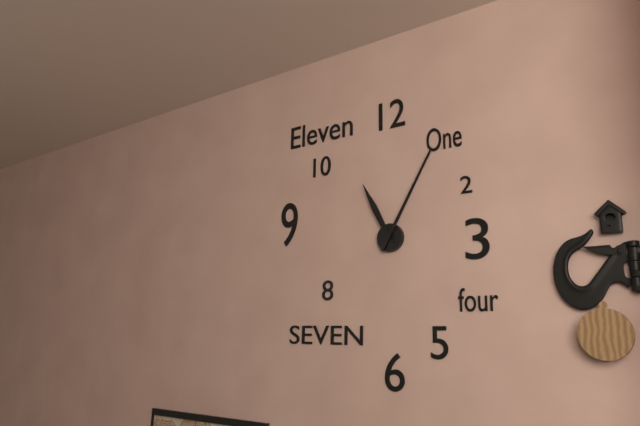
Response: 11:05
